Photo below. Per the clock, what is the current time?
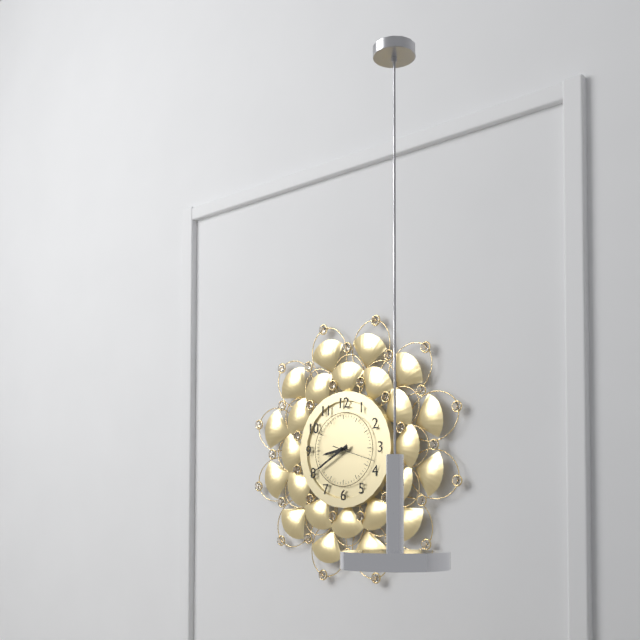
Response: 8:40
